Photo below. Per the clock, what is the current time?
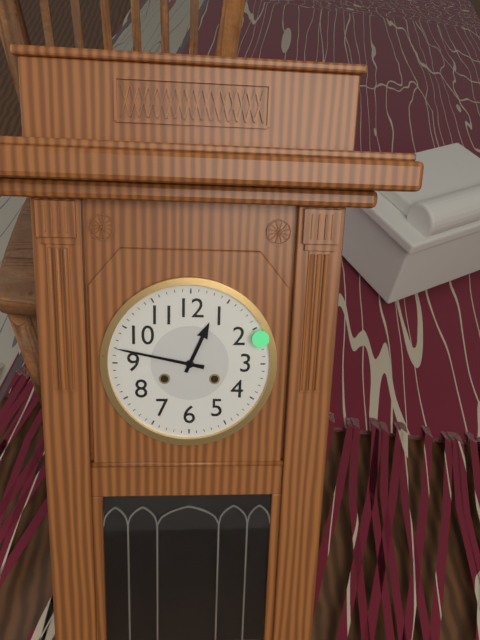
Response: 12:47
